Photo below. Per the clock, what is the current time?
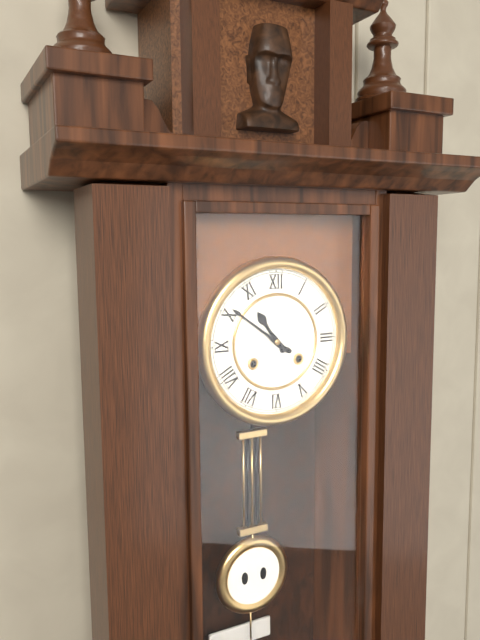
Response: 10:51
